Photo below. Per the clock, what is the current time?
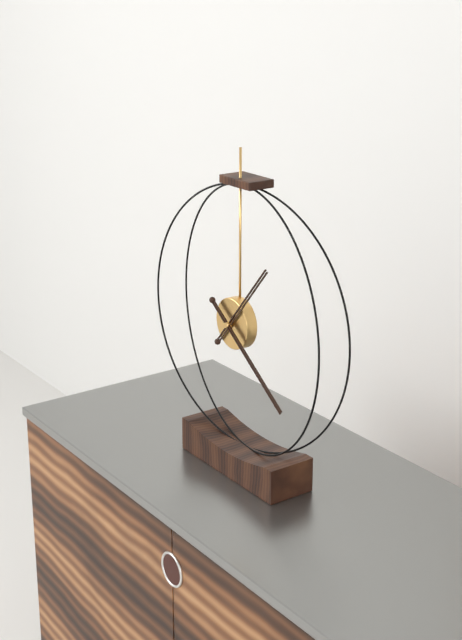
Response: 1:21
